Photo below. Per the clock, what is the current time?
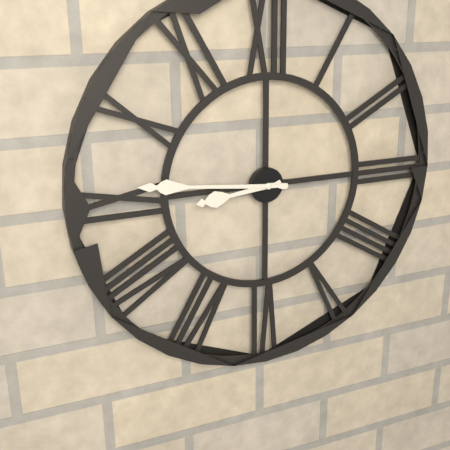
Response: 8:46
